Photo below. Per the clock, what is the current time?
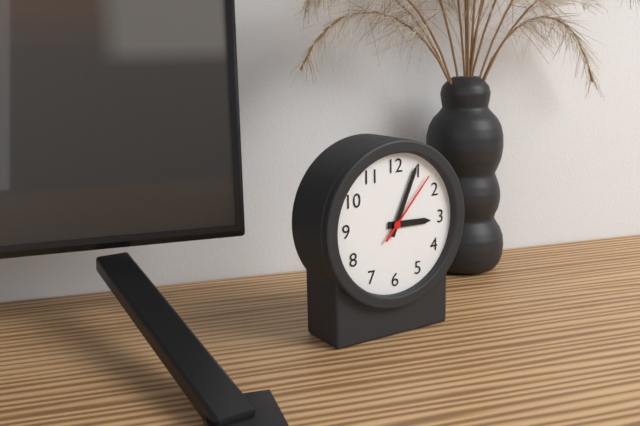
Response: 3:04:07
